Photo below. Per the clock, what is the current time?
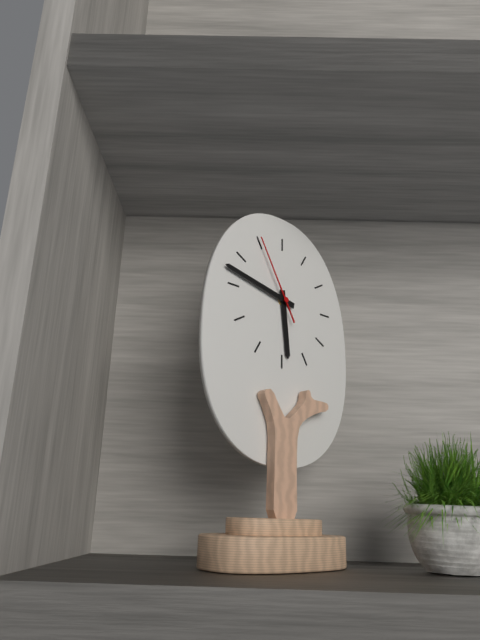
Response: 5:47:55
